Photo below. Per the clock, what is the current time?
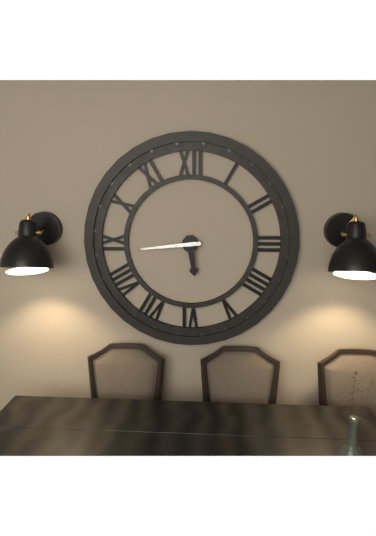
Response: 5:44
